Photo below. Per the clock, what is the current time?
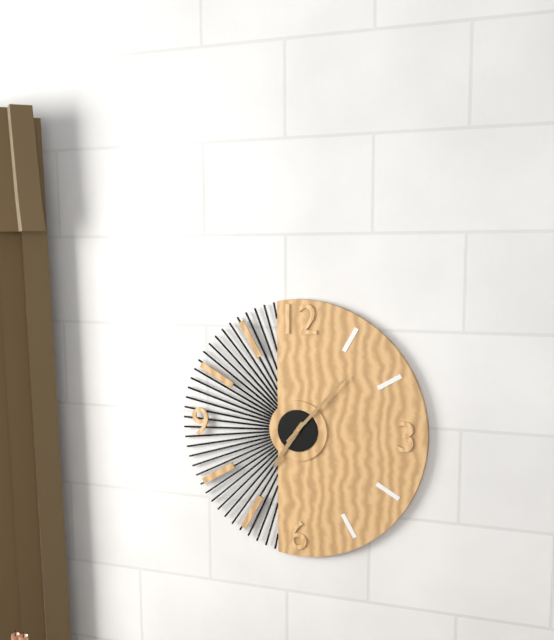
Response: 7:07
